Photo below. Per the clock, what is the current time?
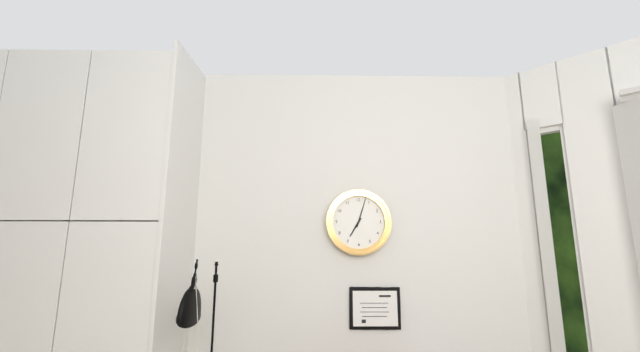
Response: 7:03
